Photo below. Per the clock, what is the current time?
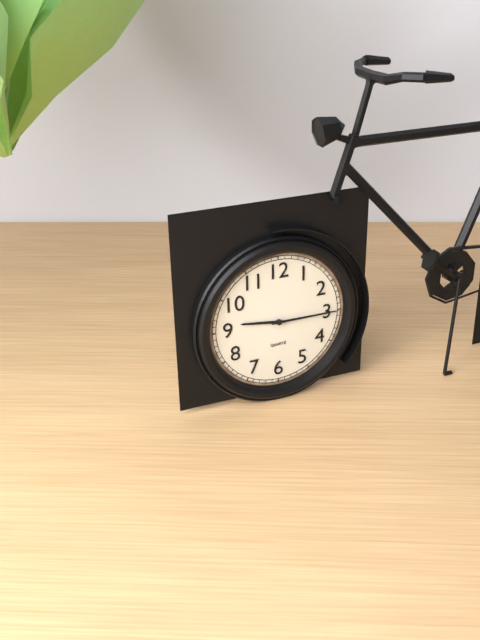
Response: 9:15
